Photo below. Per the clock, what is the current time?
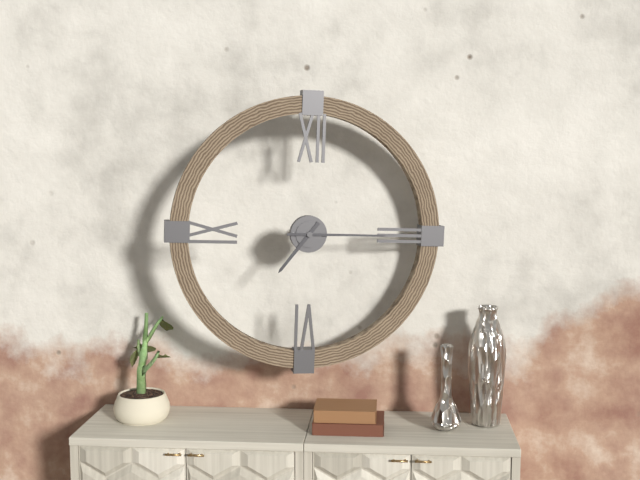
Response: 7:15
